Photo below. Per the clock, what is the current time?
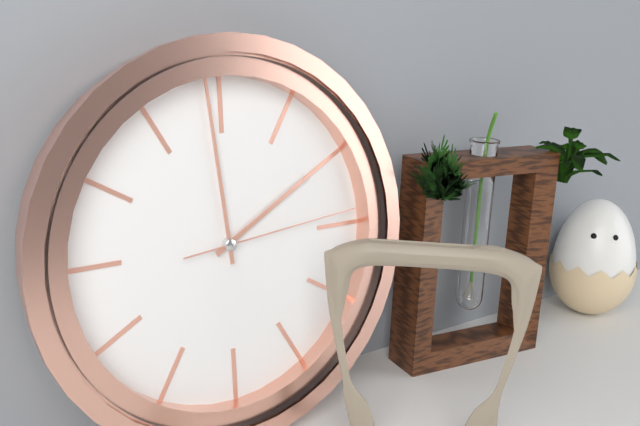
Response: 1:59:14
